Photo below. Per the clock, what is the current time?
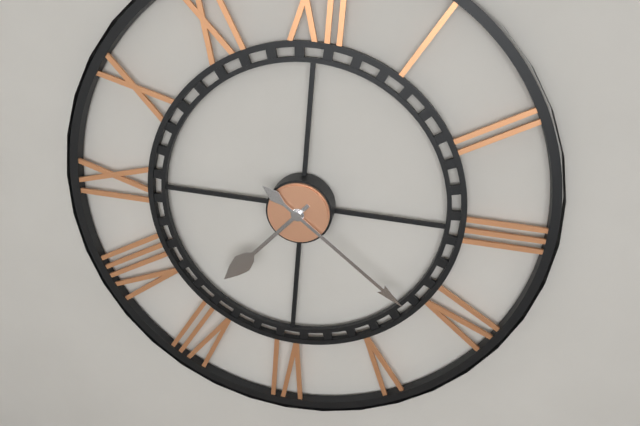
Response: 7:21
